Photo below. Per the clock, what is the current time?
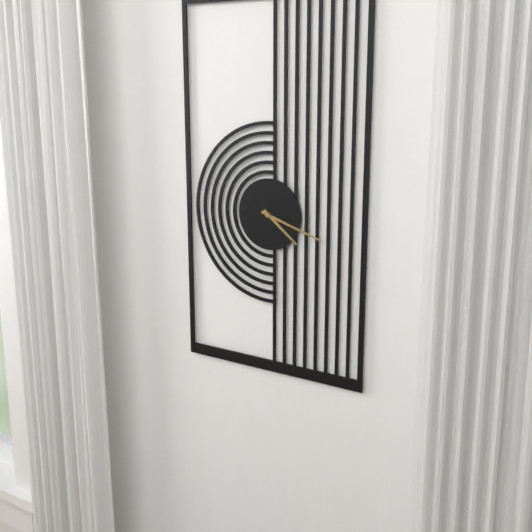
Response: 4:18
